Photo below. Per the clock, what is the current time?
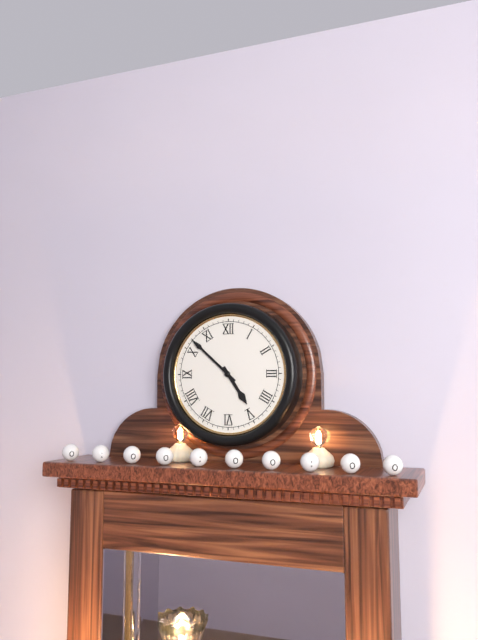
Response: 4:52
